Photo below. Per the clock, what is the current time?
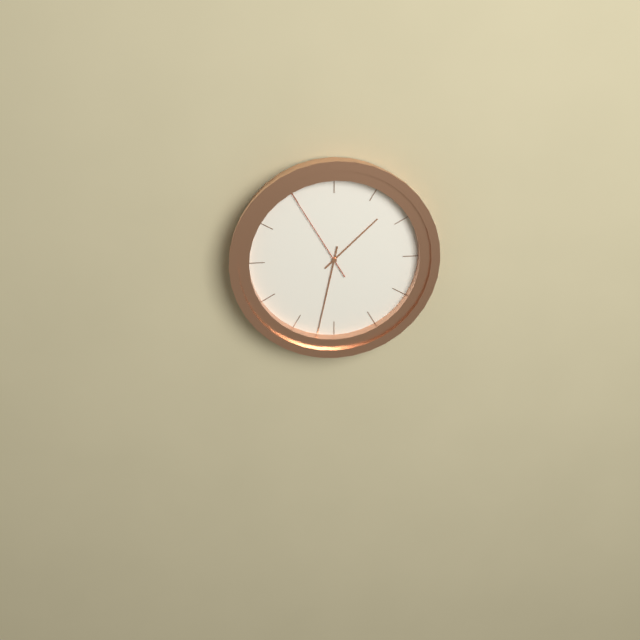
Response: 1:32:55
